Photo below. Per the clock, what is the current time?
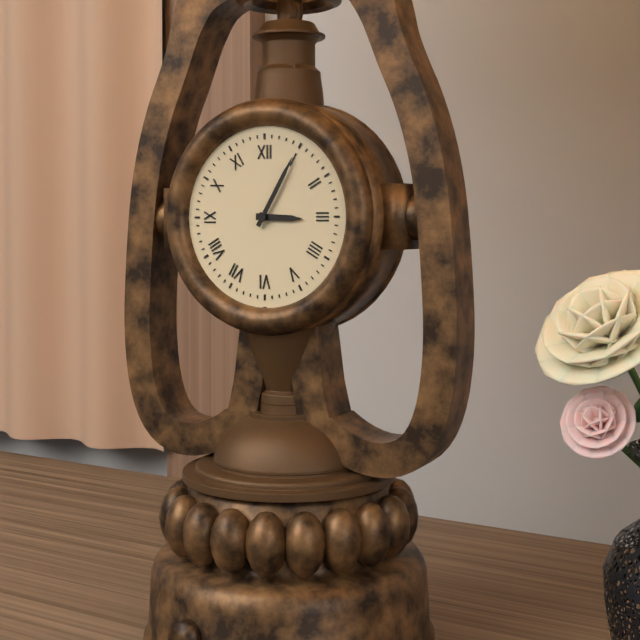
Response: 3:05
